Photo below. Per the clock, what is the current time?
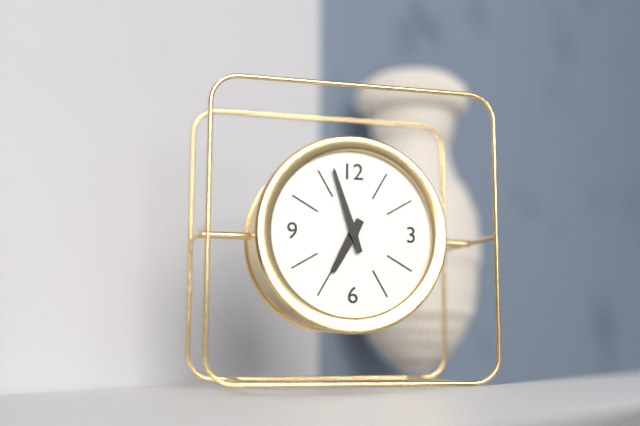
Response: 6:57
